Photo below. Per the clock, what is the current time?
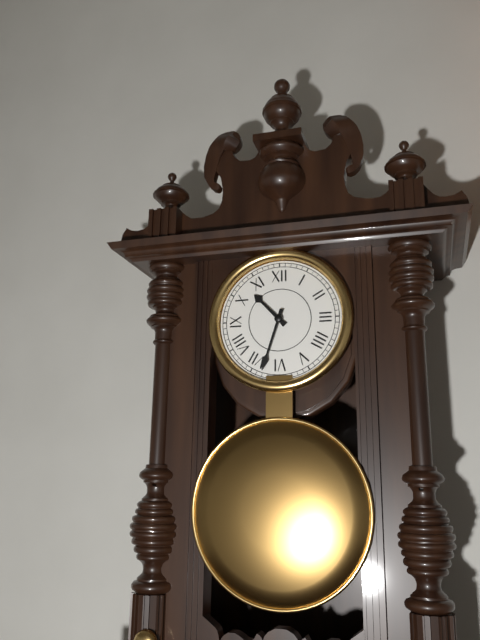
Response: 10:33
